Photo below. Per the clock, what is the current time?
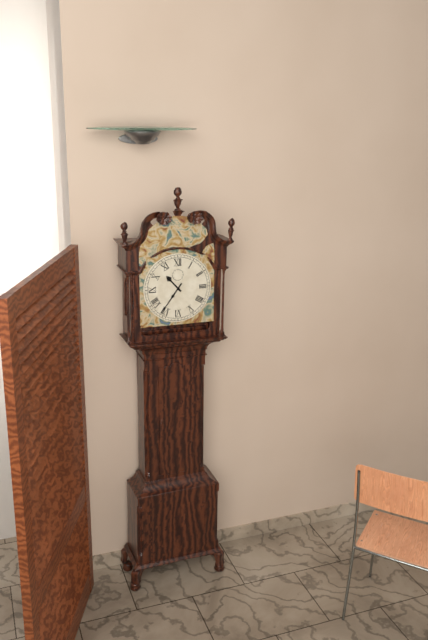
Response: 10:36
